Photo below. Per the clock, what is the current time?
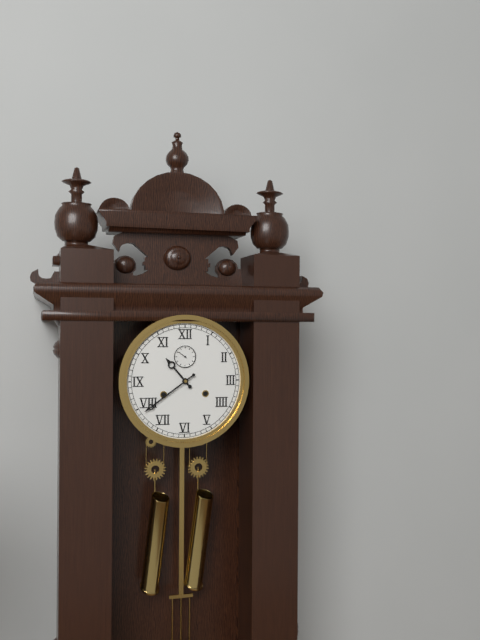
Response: 10:39
